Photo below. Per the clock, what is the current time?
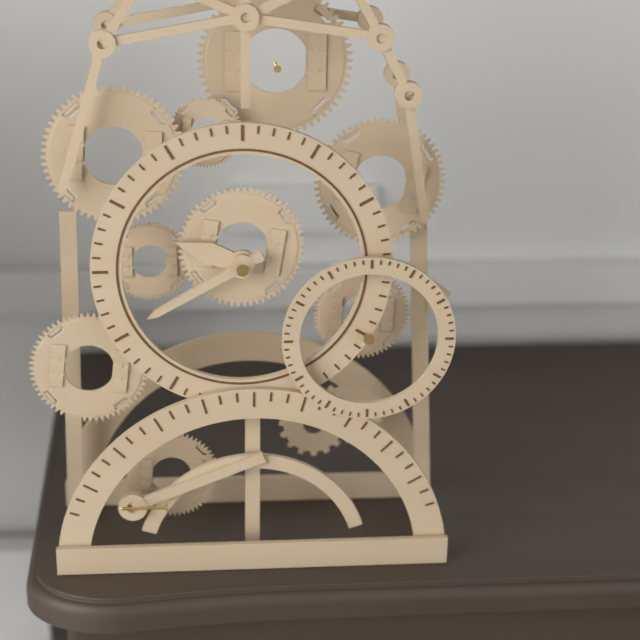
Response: 9:40
